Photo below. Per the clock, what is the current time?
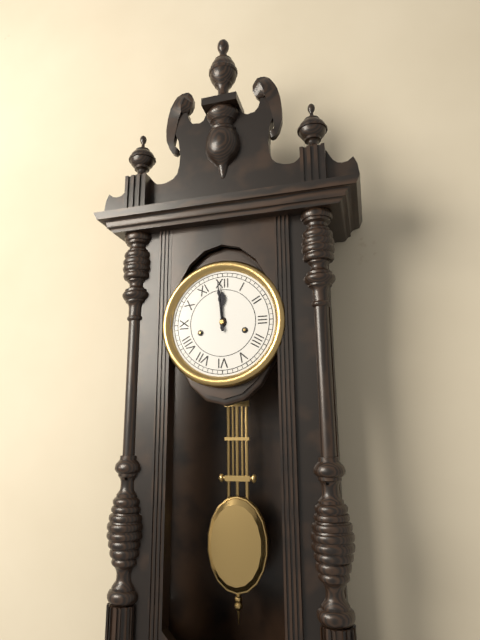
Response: 11:59
